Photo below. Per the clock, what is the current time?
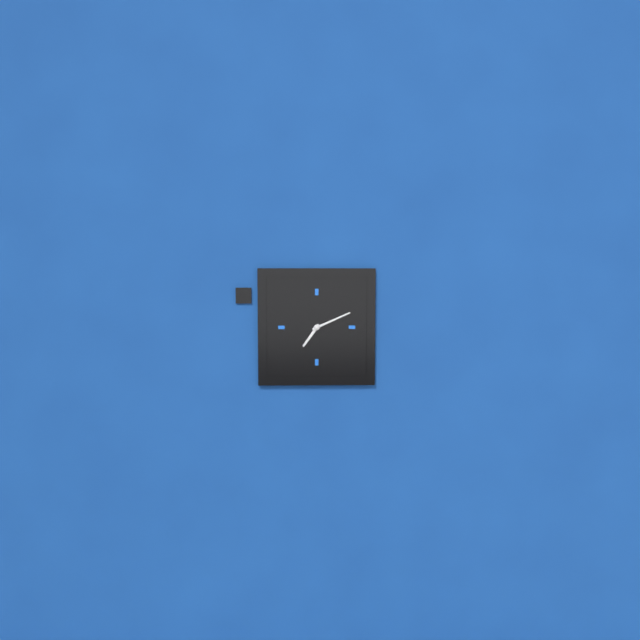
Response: 7:11
